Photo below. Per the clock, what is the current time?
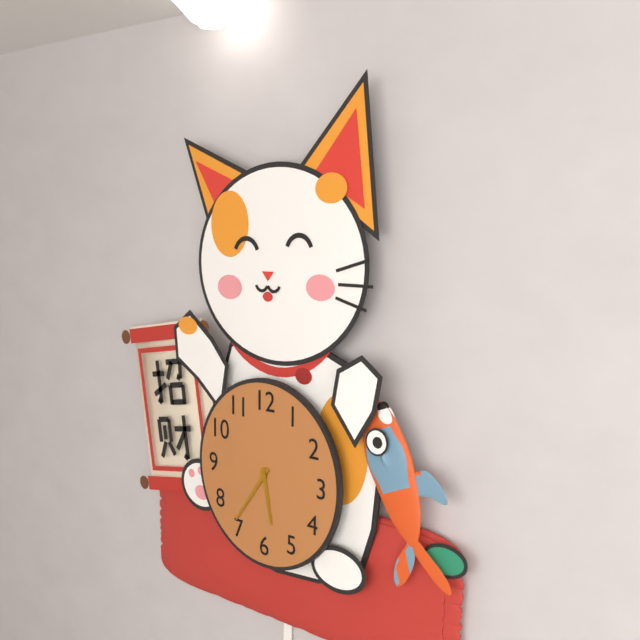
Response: 5:36
